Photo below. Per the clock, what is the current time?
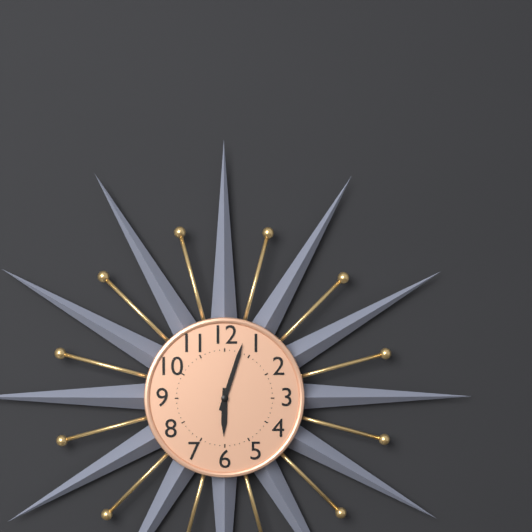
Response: 6:03
